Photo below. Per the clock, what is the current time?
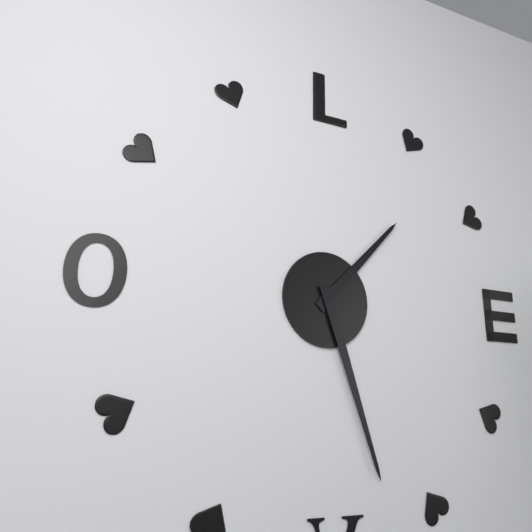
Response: 1:27
